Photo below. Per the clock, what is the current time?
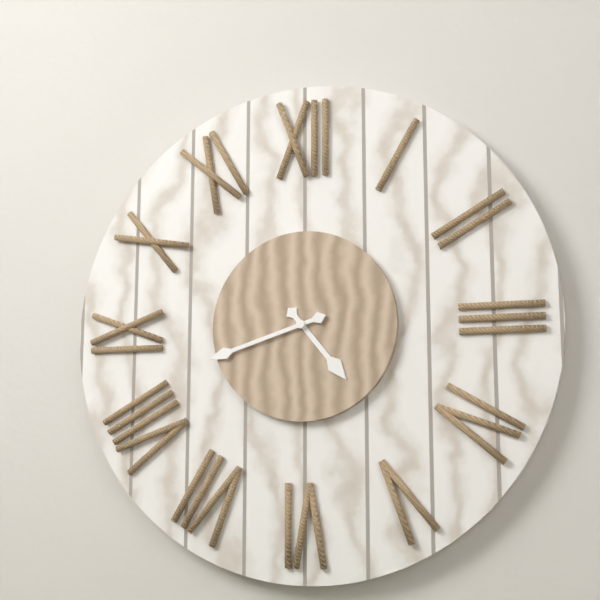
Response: 4:42
